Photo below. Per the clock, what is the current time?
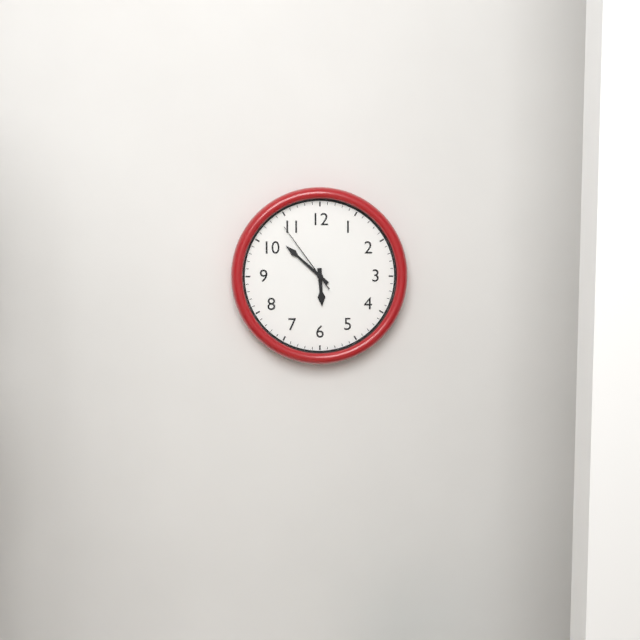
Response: 5:52:54
